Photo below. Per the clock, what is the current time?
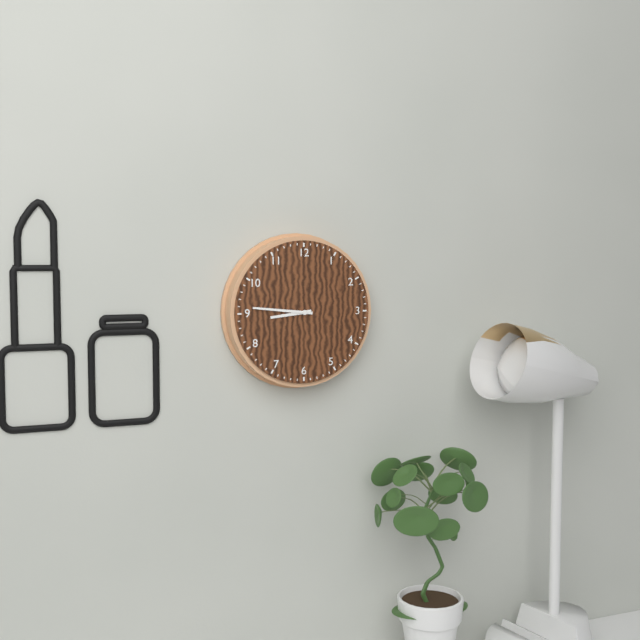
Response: 8:46
